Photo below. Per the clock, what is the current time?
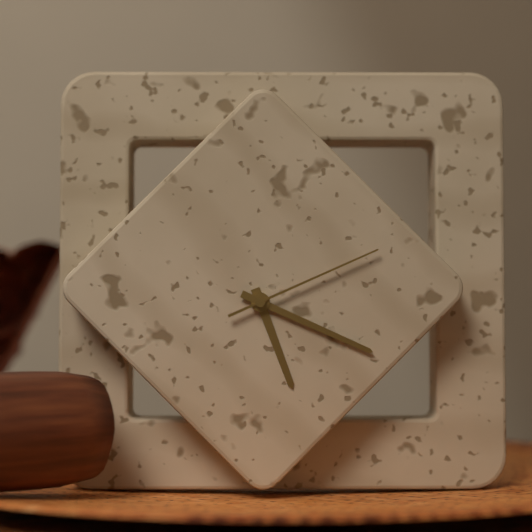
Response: 5:19:11
